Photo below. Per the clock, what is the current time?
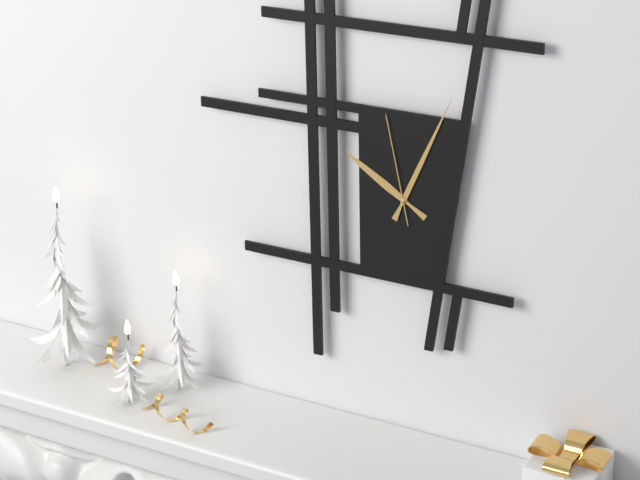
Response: 10:04:58
